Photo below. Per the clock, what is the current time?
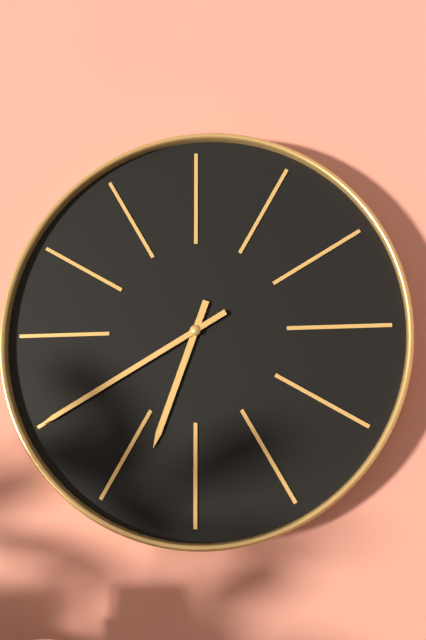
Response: 6:40
